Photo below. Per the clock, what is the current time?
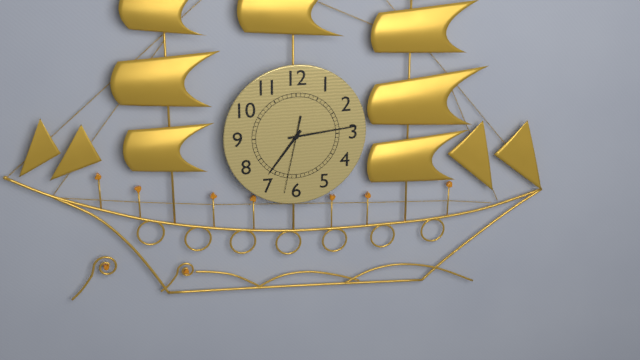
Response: 7:14:32
